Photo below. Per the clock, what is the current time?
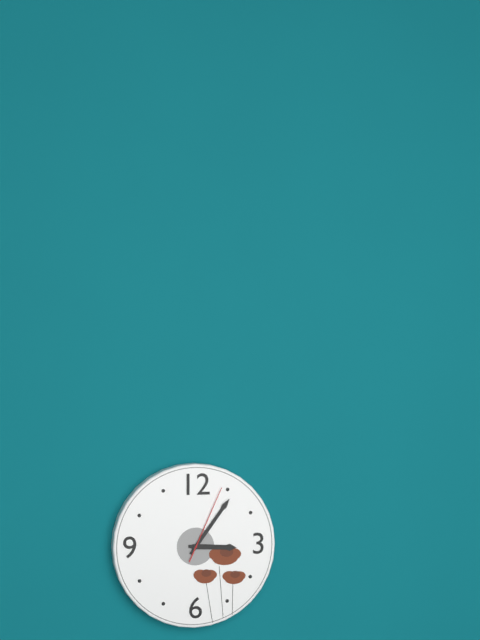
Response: 3:06:04
